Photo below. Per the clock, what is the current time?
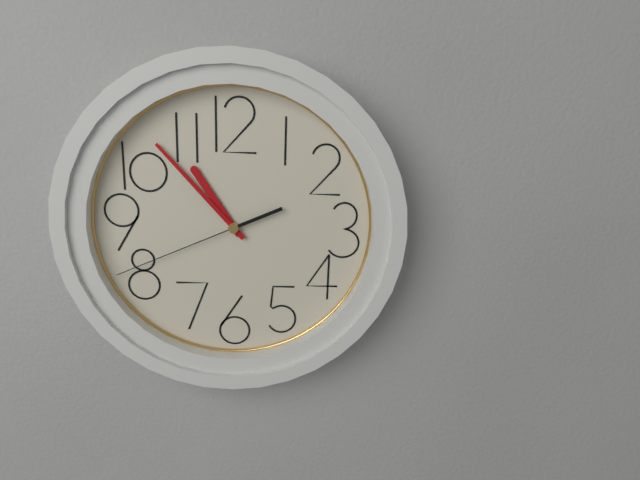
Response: 10:53:41
